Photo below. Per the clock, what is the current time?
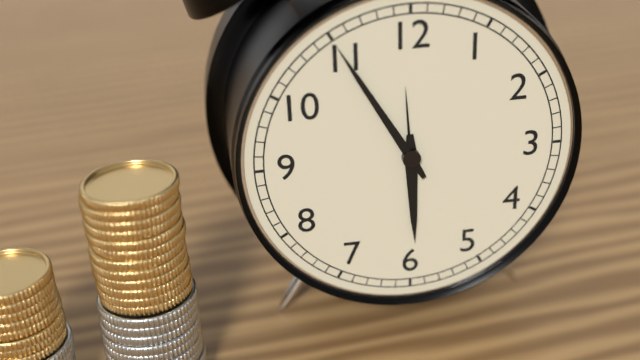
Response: 5:55
